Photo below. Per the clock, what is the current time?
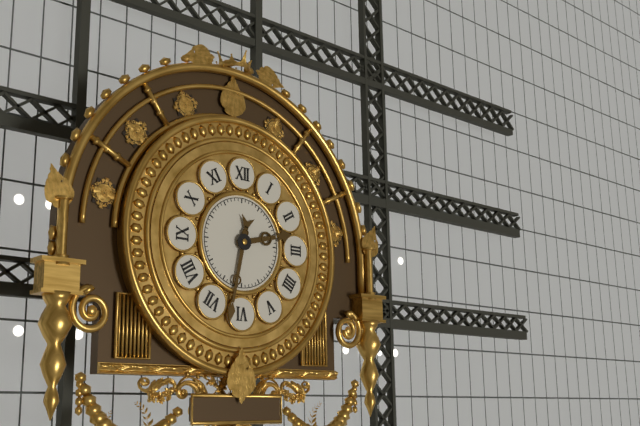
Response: 2:32
